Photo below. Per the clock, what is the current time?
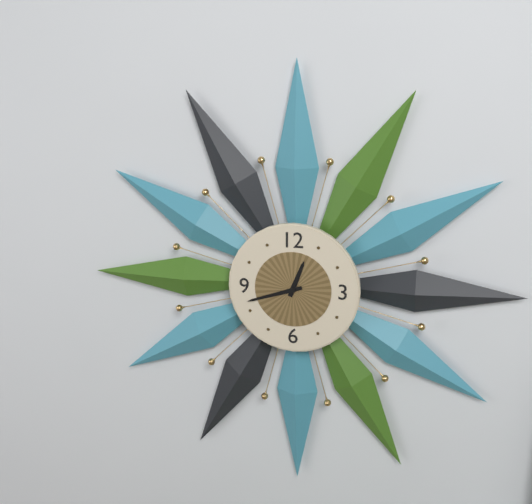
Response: 12:42
